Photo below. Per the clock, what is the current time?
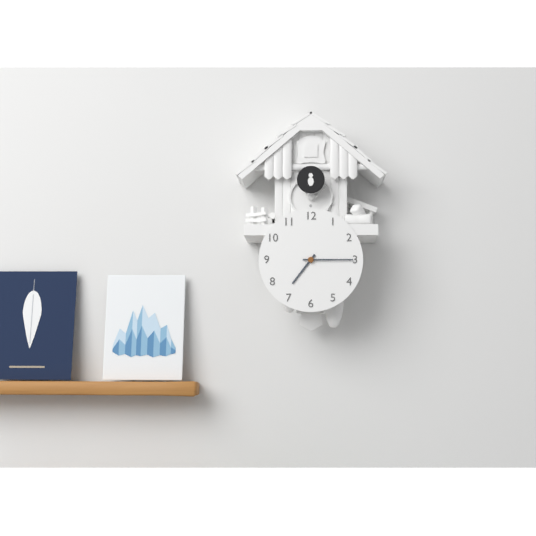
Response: 7:15
